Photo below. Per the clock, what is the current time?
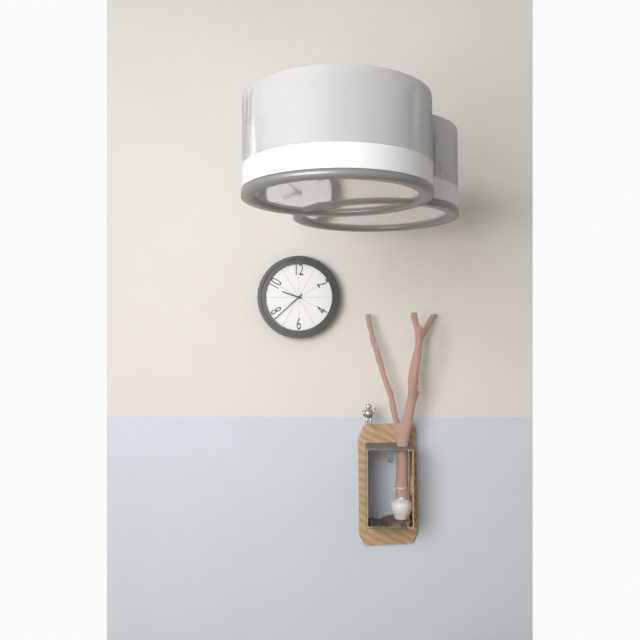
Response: 9:38
